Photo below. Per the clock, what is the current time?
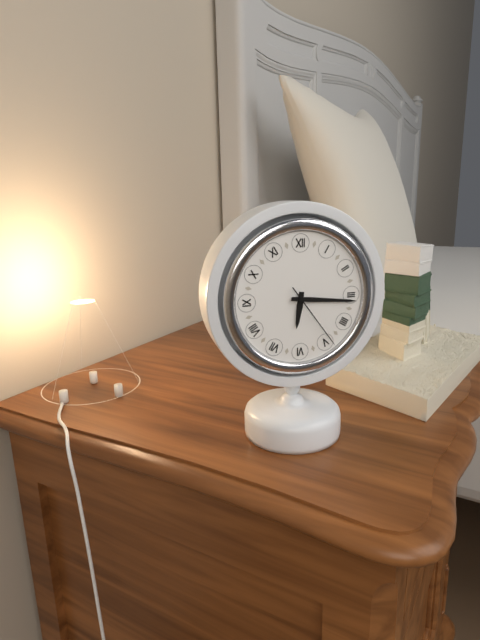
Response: 6:16:24
